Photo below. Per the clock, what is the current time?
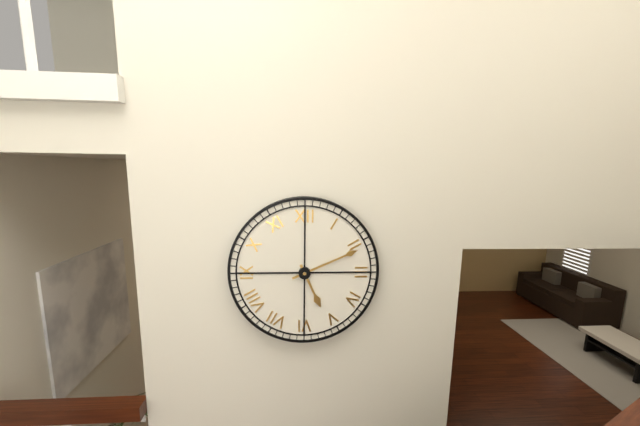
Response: 5:11
